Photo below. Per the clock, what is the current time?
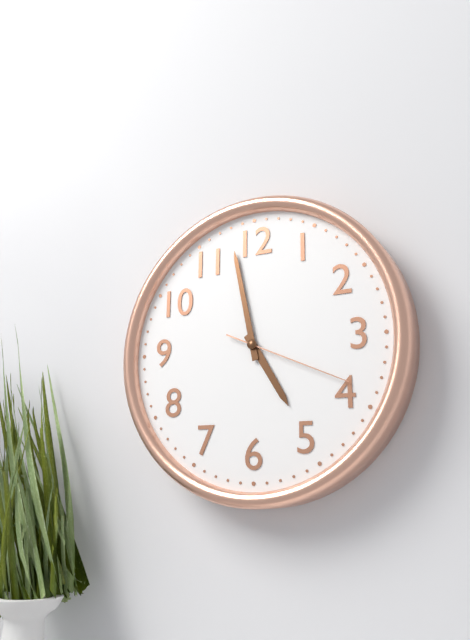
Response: 4:58:19
